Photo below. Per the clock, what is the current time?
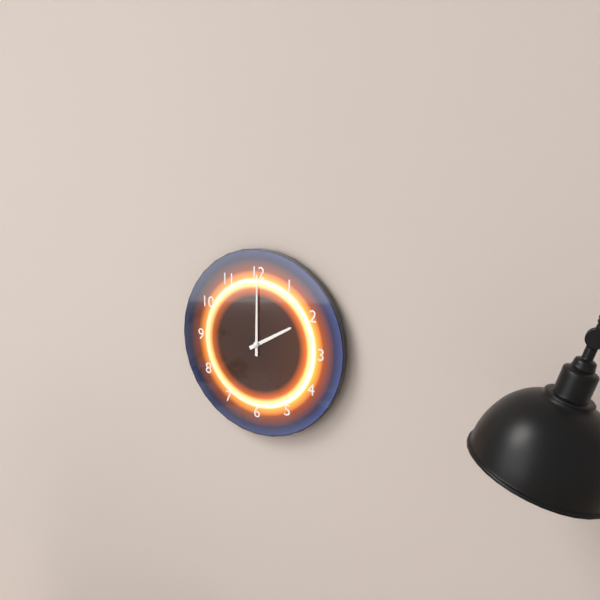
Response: 2:00
